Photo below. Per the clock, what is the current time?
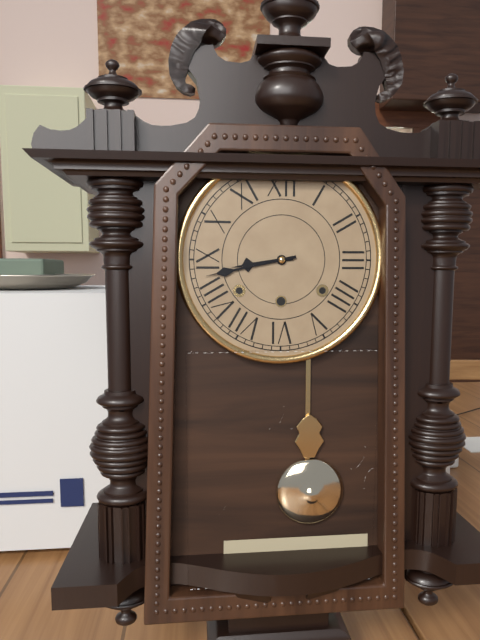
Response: 8:43
